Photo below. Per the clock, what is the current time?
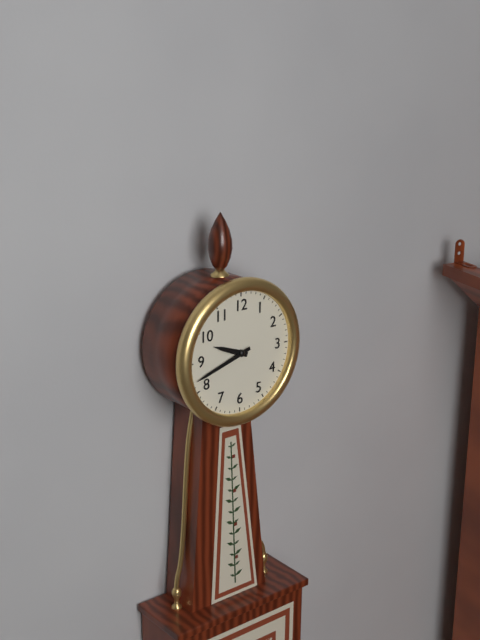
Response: 9:42
